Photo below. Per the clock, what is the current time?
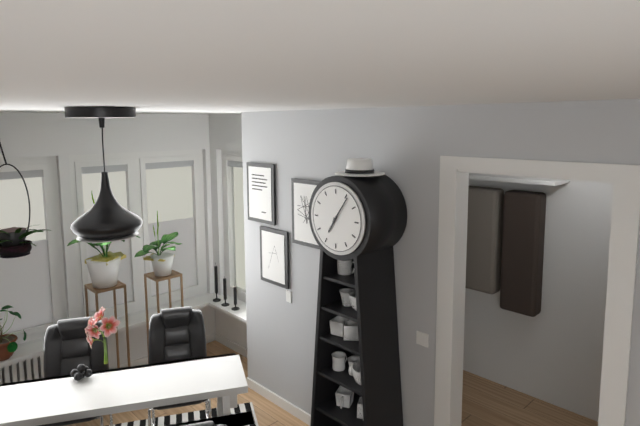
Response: 7:06
